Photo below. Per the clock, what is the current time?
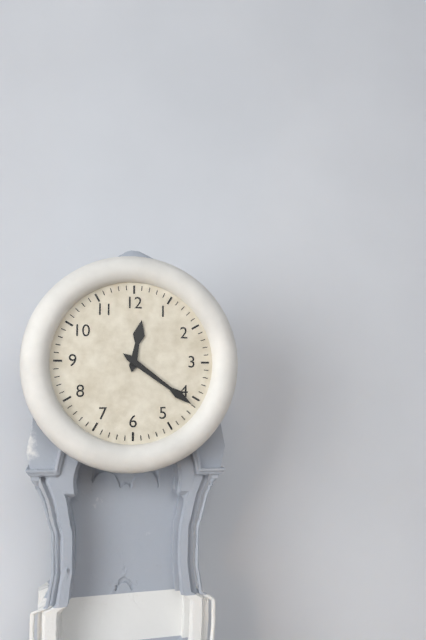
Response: 12:21
